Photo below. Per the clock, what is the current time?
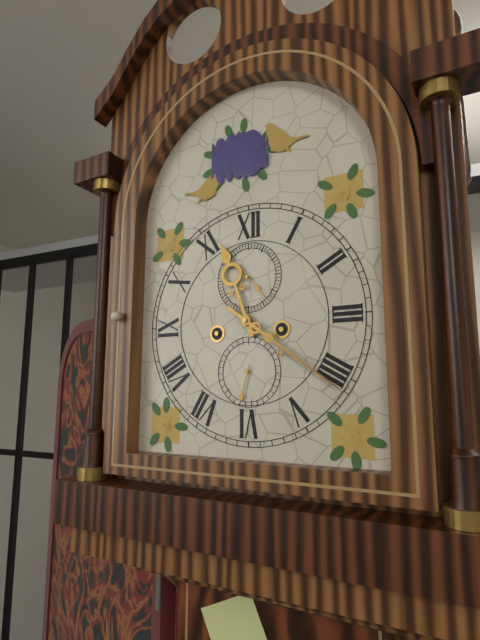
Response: 11:21
